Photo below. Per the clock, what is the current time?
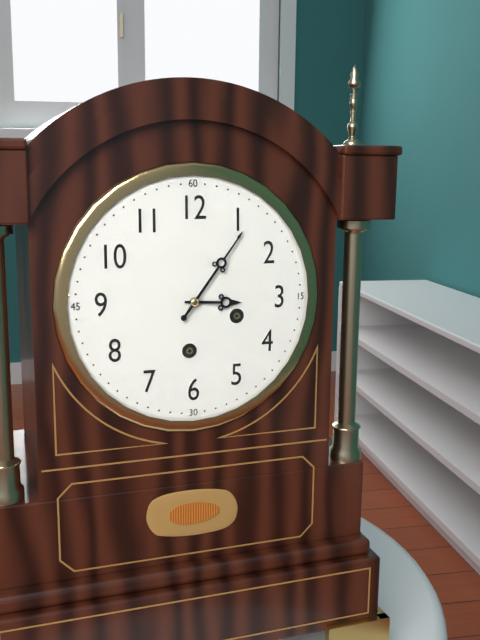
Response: 3:06
